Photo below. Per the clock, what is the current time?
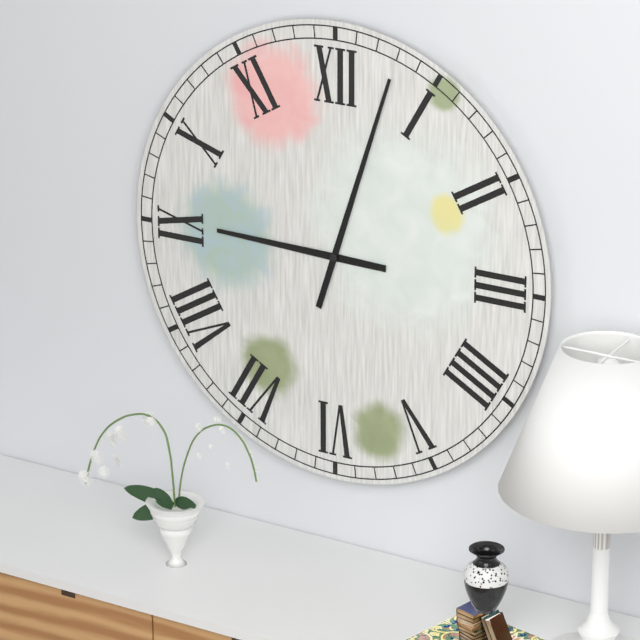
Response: 9:03
